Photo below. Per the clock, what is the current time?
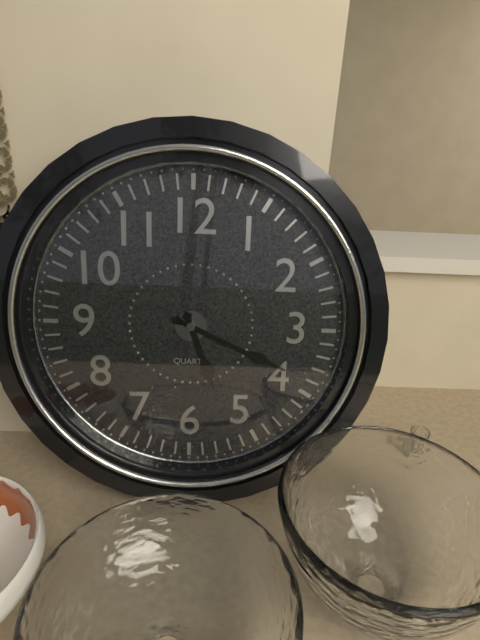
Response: 5:19
